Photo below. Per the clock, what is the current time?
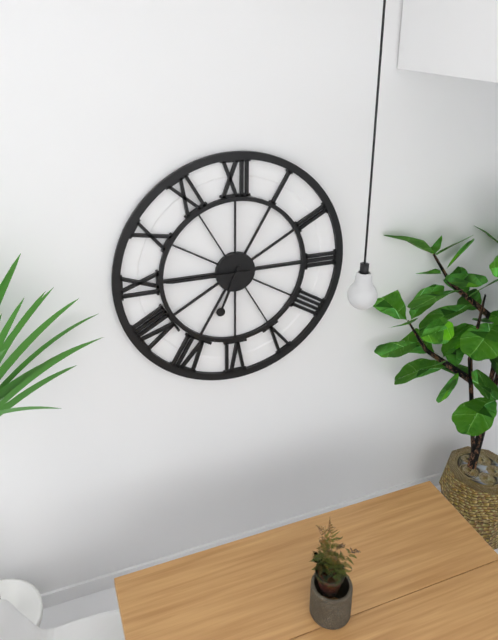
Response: 6:45
